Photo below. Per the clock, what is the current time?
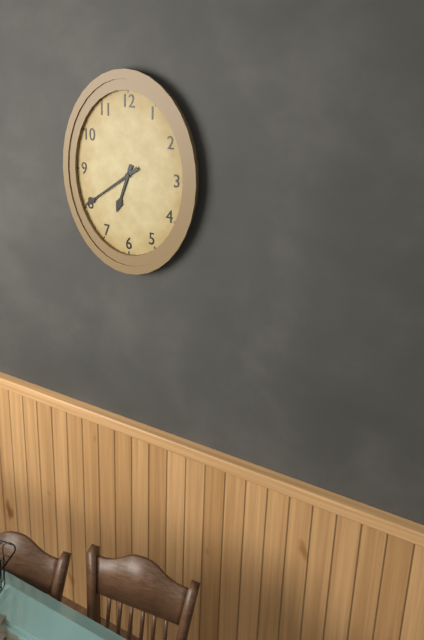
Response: 6:39
